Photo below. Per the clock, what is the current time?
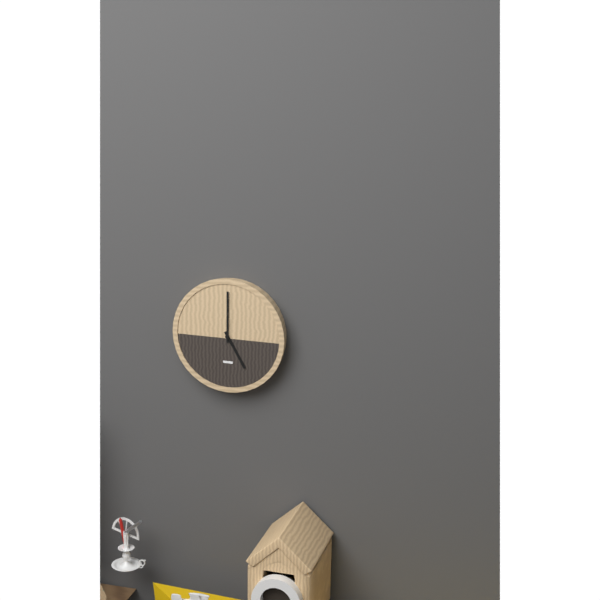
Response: 5:00
